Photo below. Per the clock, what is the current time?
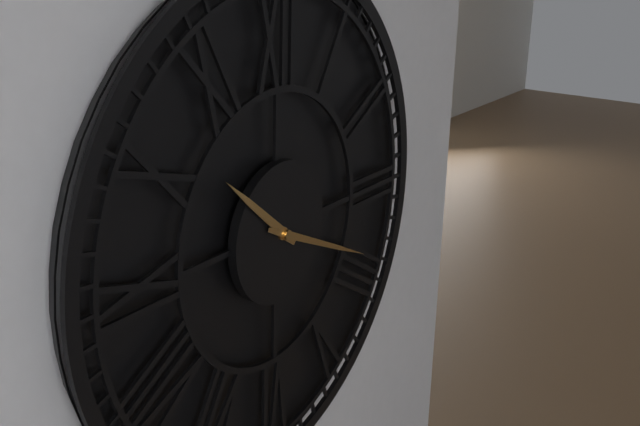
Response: 10:19
